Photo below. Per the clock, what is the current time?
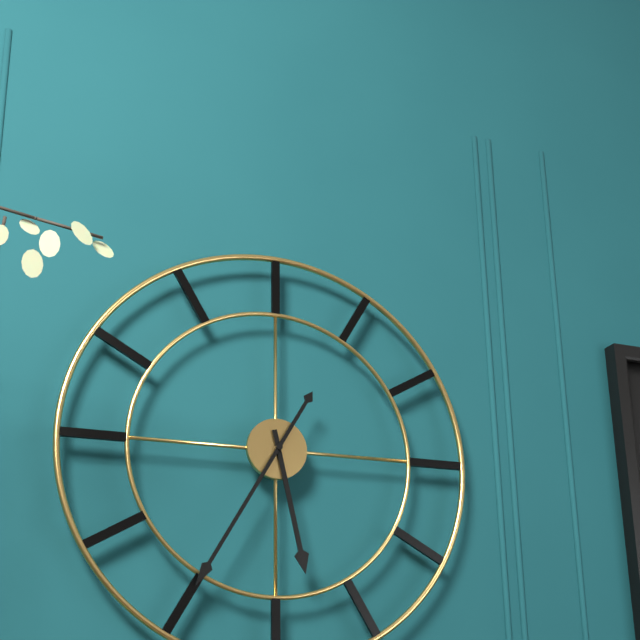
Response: 5:35
